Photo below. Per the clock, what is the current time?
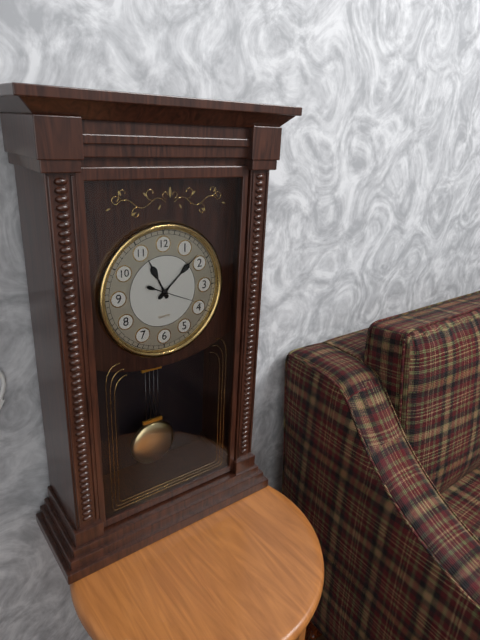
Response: 11:08:19
